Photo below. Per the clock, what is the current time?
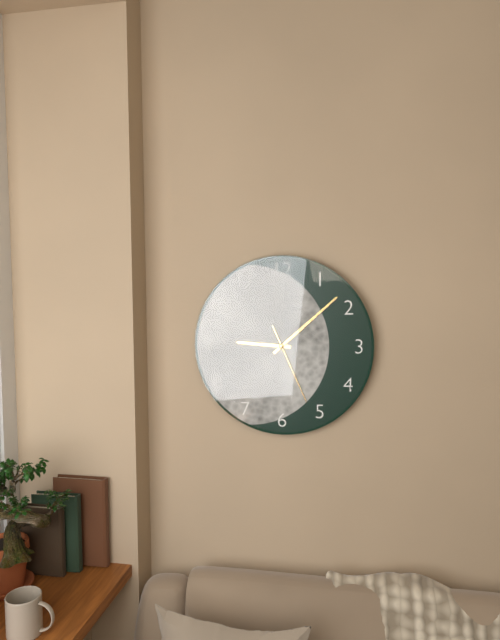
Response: 9:08:26
